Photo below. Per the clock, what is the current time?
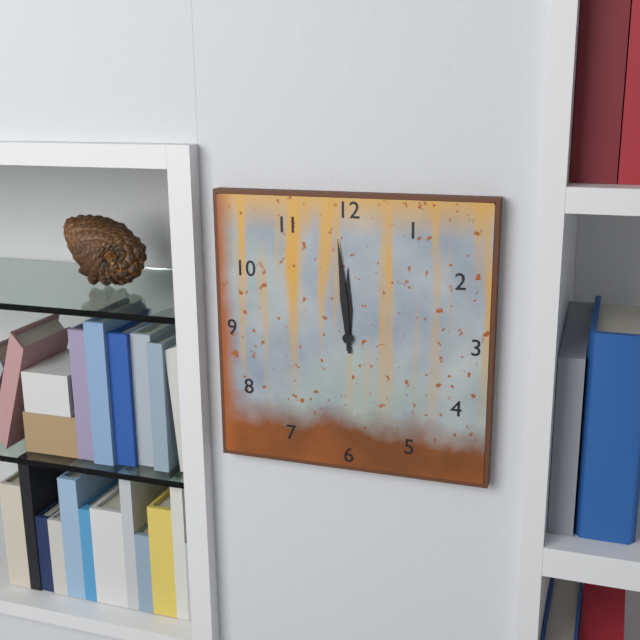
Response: 11:59
